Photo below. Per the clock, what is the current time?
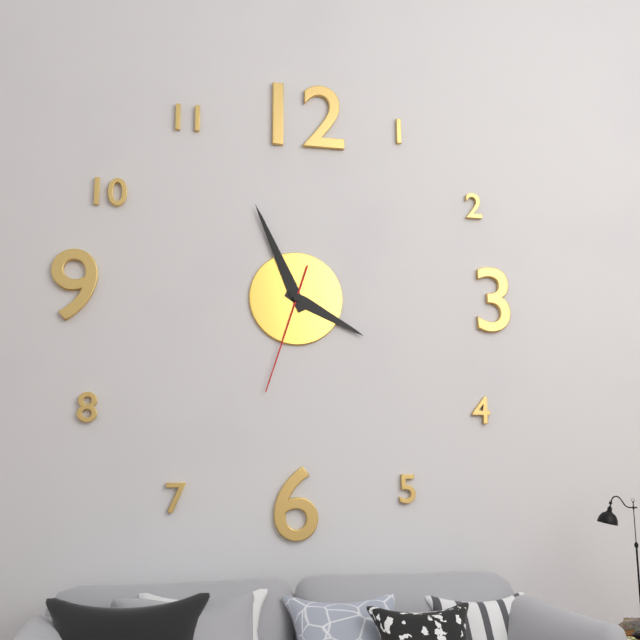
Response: 3:56:33
